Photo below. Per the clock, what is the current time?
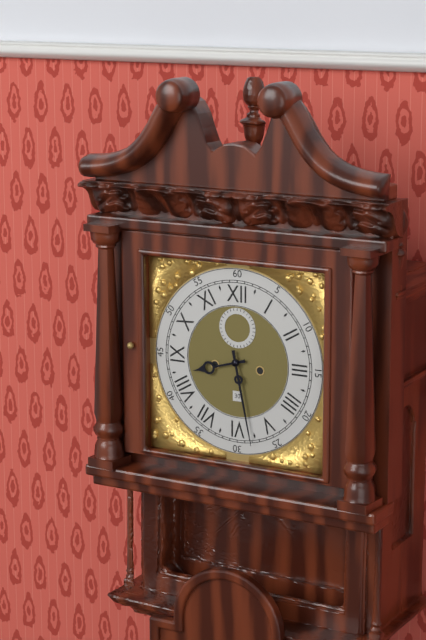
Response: 8:28
